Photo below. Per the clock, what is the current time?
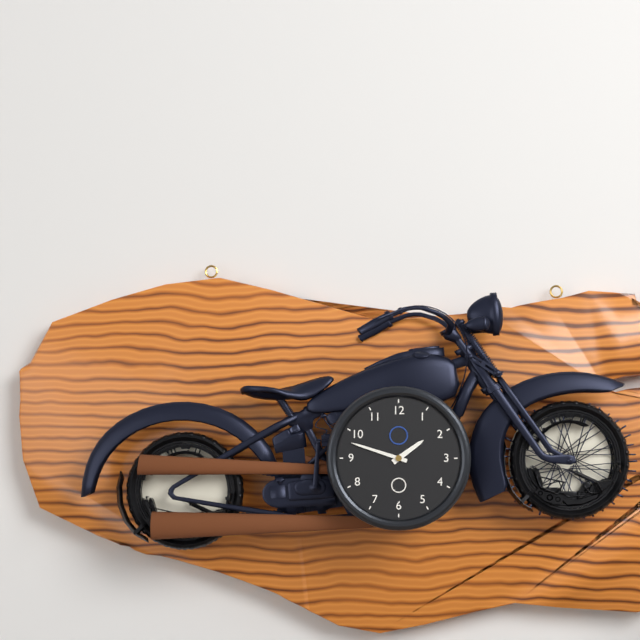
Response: 1:48
